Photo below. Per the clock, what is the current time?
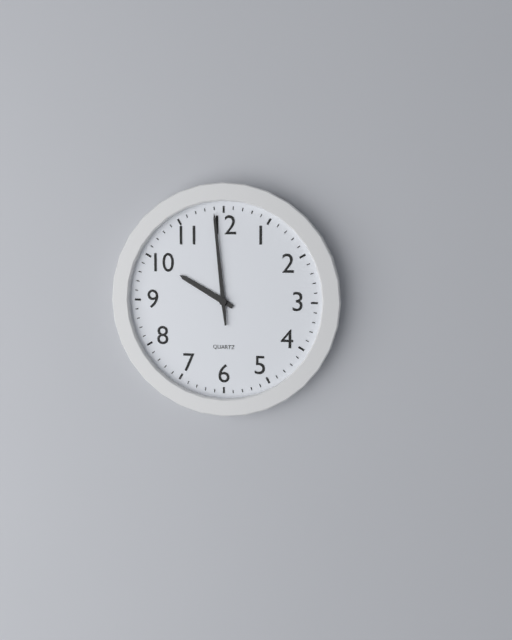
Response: 9:59
